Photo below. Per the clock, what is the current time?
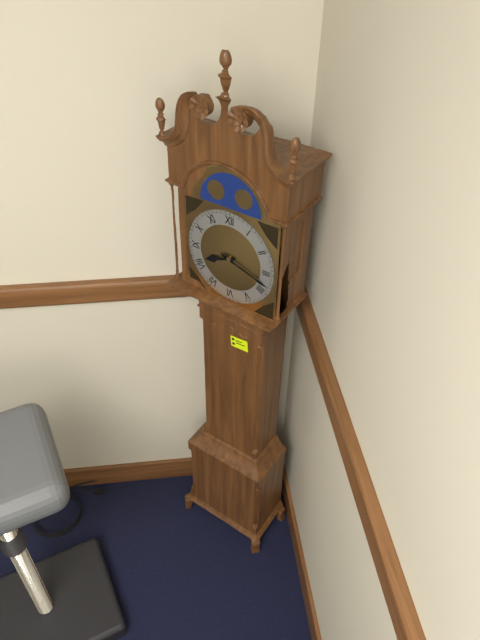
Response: 8:18
